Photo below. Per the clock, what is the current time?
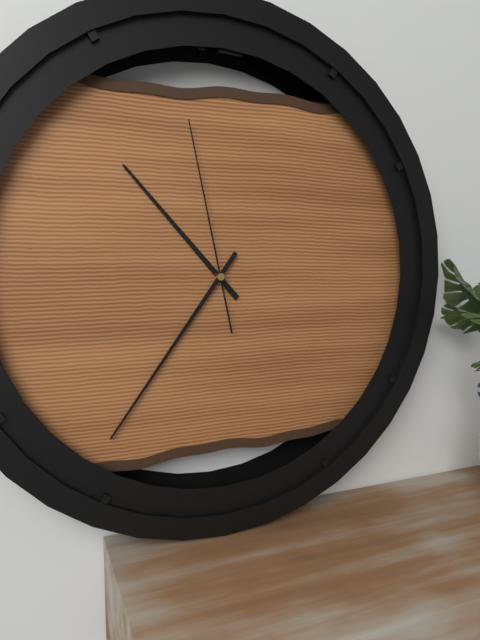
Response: 10:36:58
